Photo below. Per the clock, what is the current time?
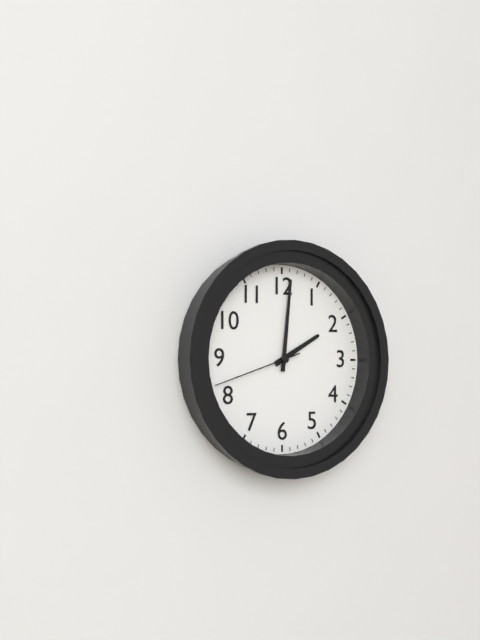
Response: 2:01:42
